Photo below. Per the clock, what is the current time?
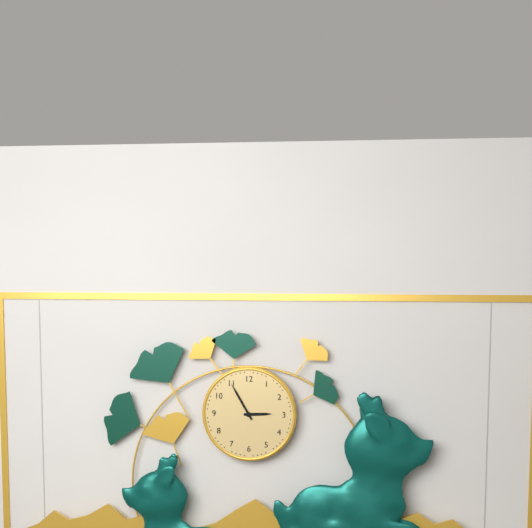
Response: 2:55
